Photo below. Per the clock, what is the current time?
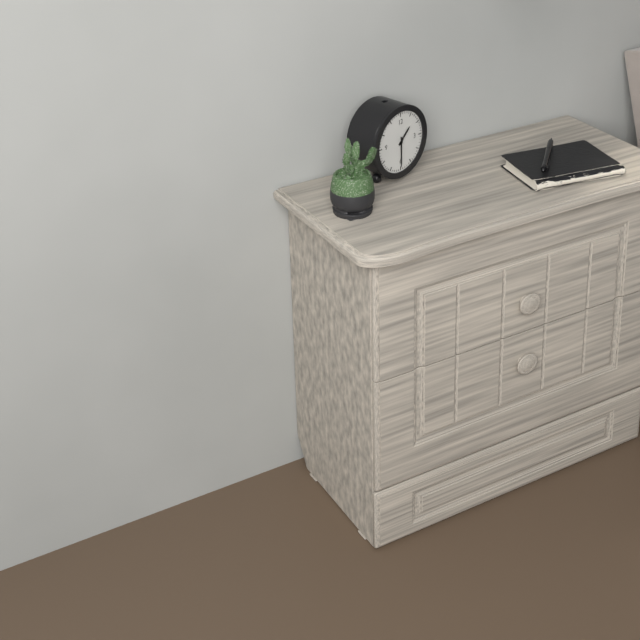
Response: 1:30
